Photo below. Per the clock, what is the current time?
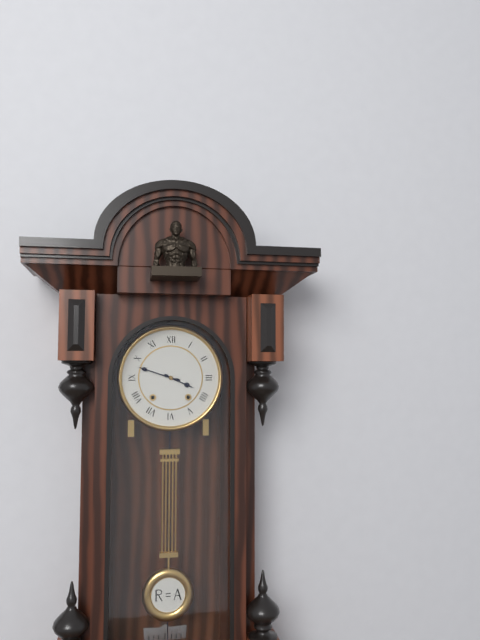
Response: 3:48
